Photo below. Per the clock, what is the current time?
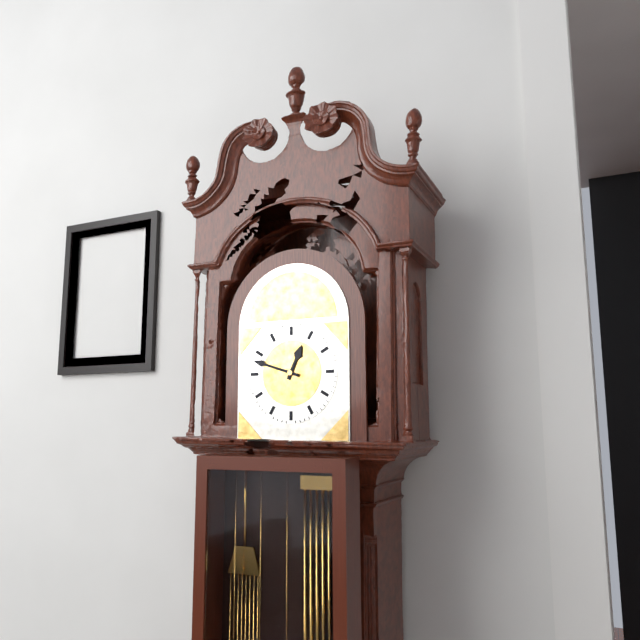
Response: 12:48
